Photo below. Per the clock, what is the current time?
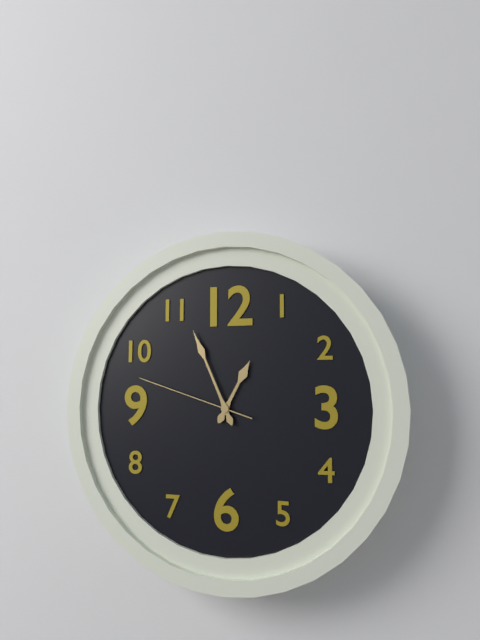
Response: 12:56:48
